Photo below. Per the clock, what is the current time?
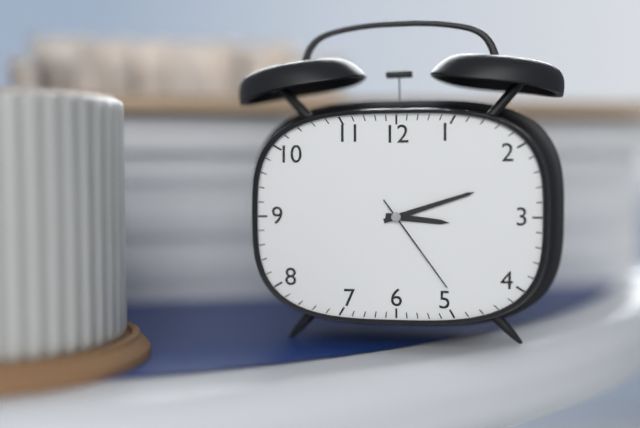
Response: 3:12:24
